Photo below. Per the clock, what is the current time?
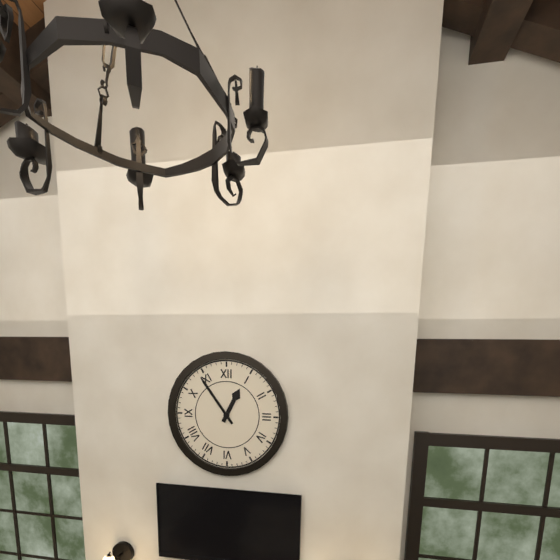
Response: 12:54
